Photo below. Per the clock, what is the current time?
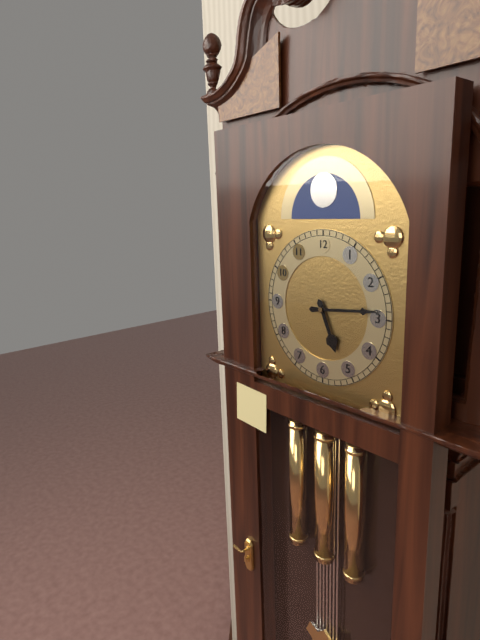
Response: 5:14
